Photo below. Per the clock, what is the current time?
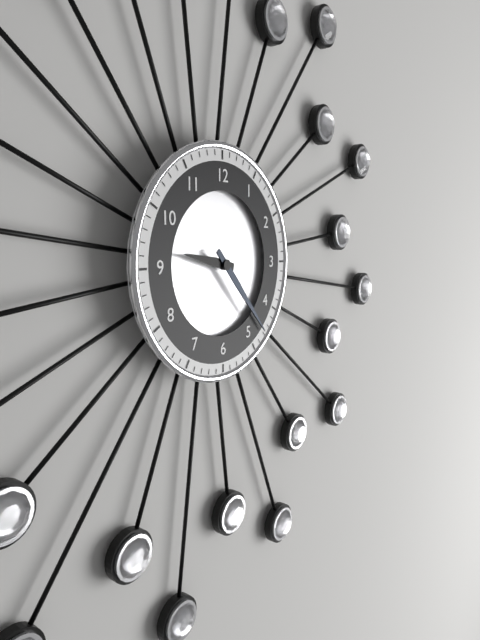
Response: 9:23
